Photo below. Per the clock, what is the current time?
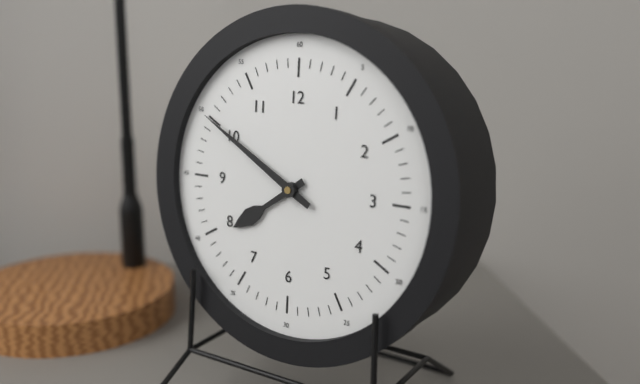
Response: 7:50
